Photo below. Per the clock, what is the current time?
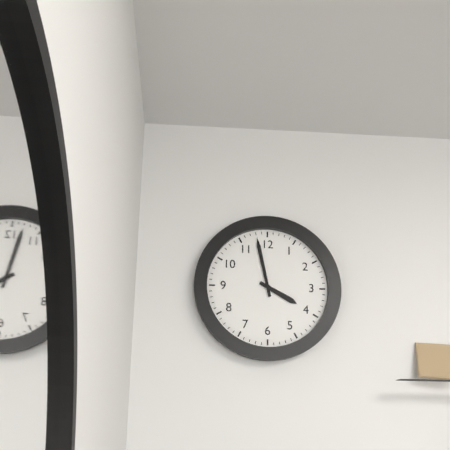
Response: 3:58
